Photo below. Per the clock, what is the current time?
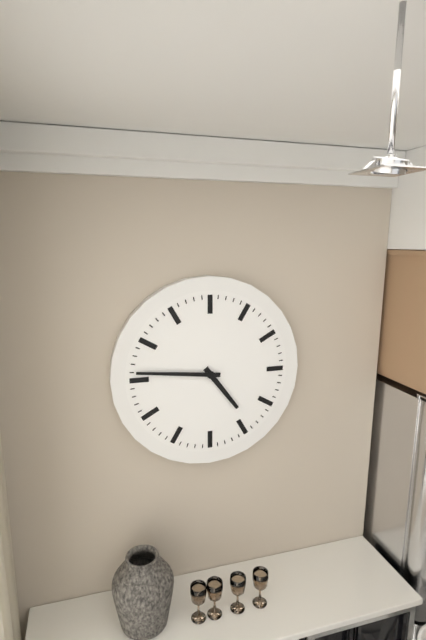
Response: 4:46
